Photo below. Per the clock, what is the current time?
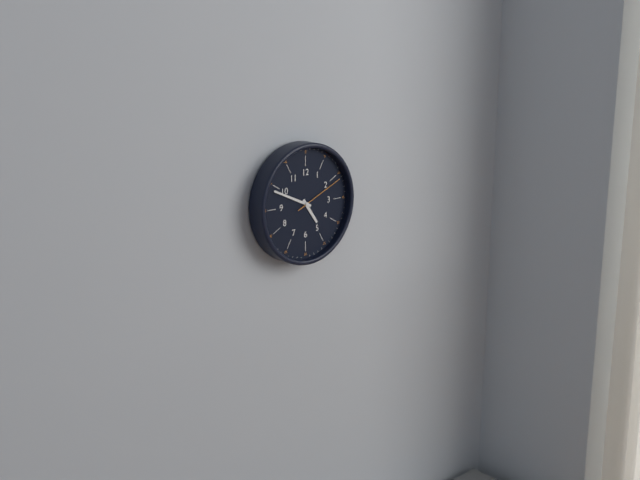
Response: 4:49:11
